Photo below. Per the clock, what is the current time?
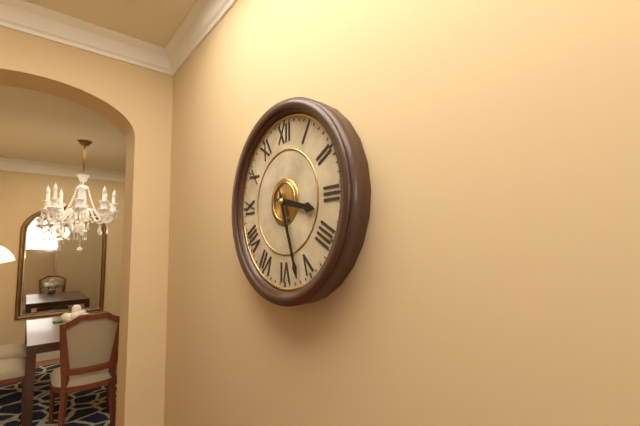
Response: 3:27
